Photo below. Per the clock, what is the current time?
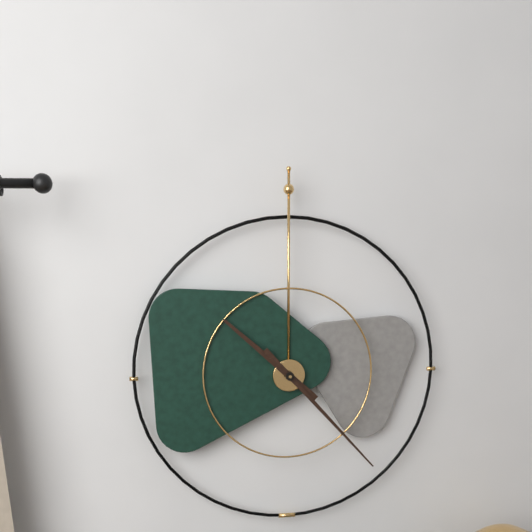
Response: 10:23
